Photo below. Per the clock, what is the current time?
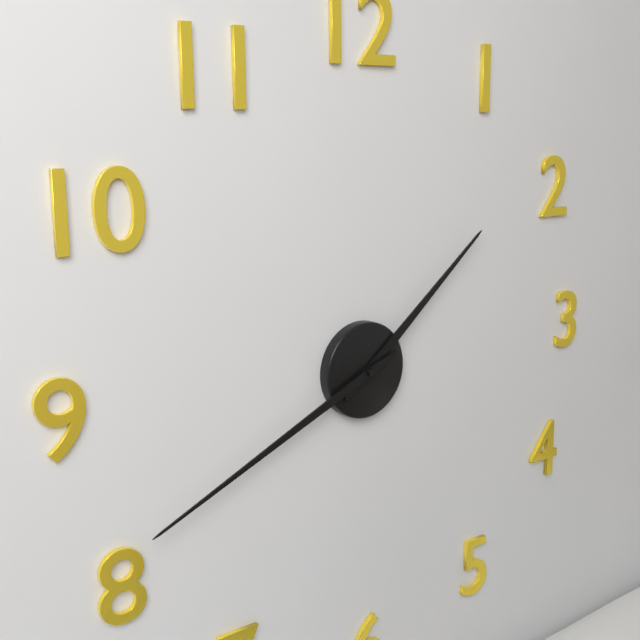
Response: 1:41
